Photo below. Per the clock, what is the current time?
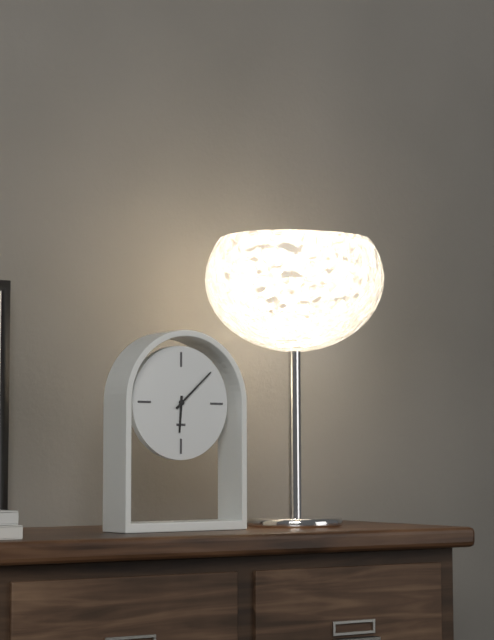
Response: 6:08
